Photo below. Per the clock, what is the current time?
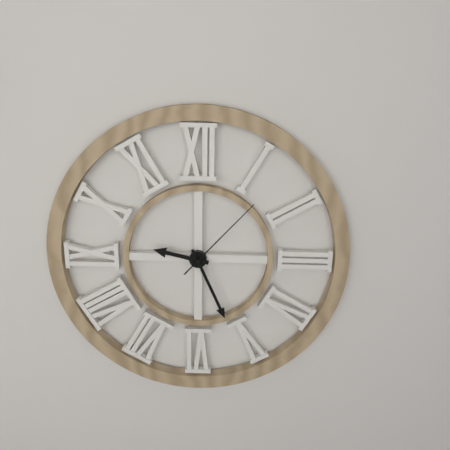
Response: 9:26:07
